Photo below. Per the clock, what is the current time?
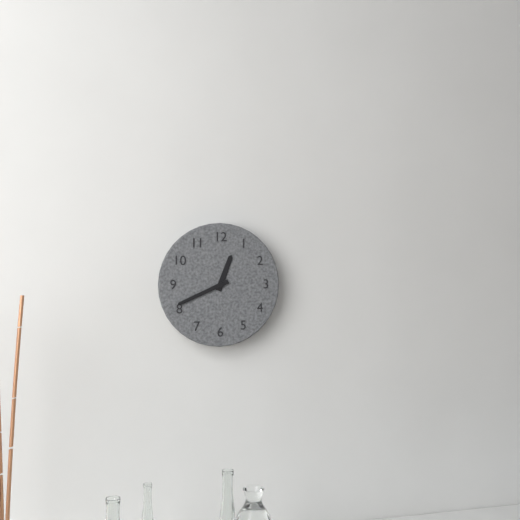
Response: 12:41
